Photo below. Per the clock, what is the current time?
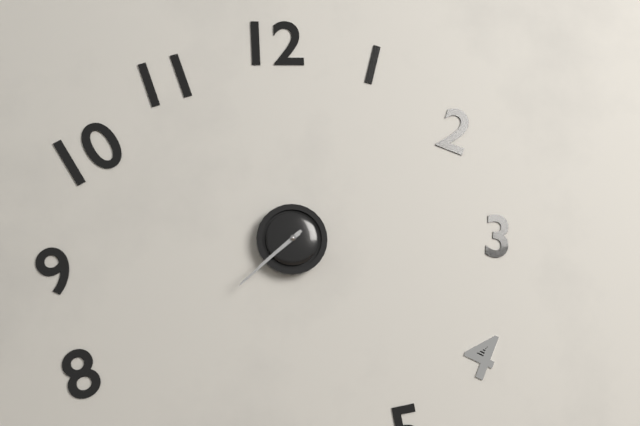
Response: 7:38
